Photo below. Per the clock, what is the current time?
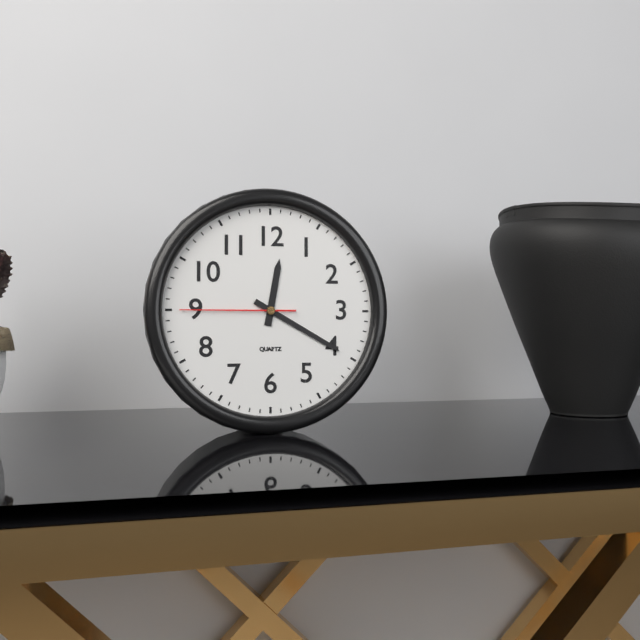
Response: 12:20:45
